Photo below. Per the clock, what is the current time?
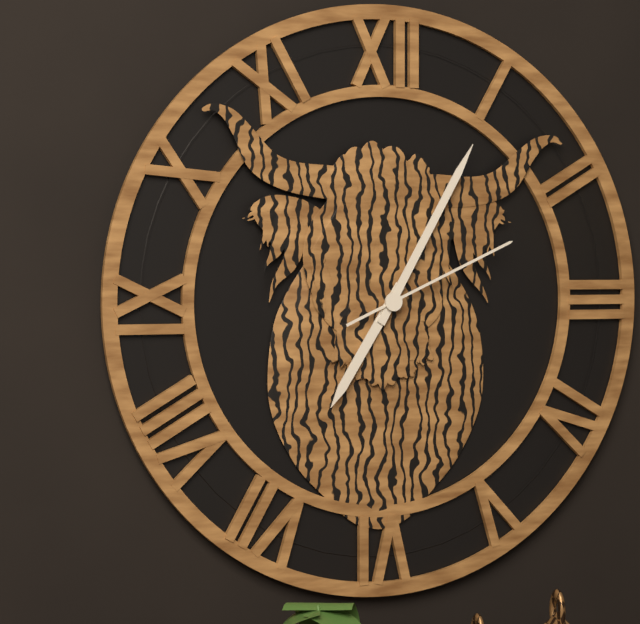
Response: 7:05:11
